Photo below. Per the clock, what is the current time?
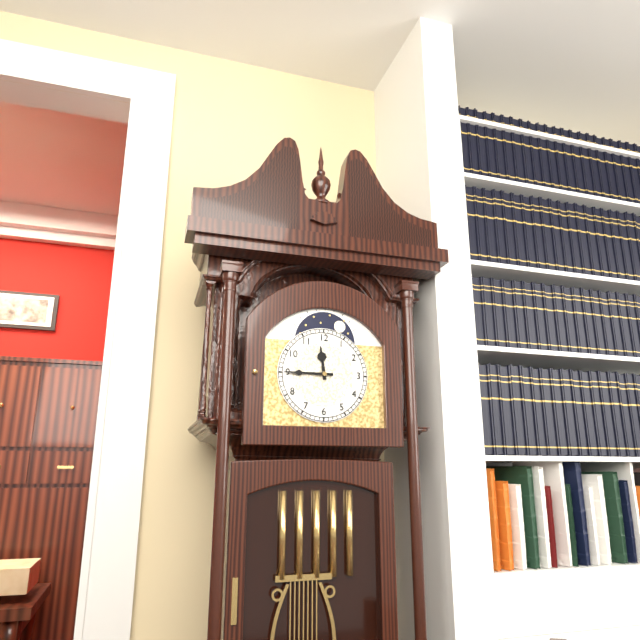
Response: 11:45
